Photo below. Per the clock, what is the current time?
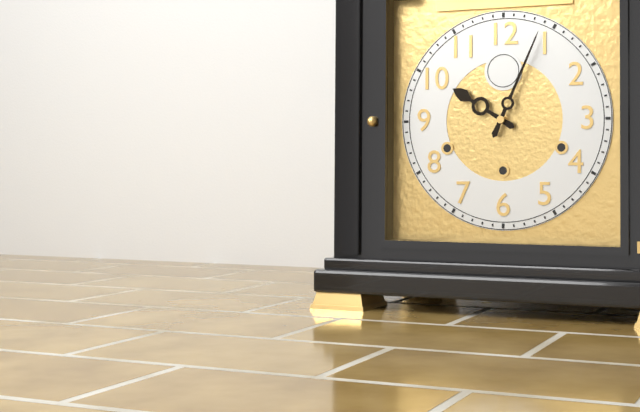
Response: 10:04
